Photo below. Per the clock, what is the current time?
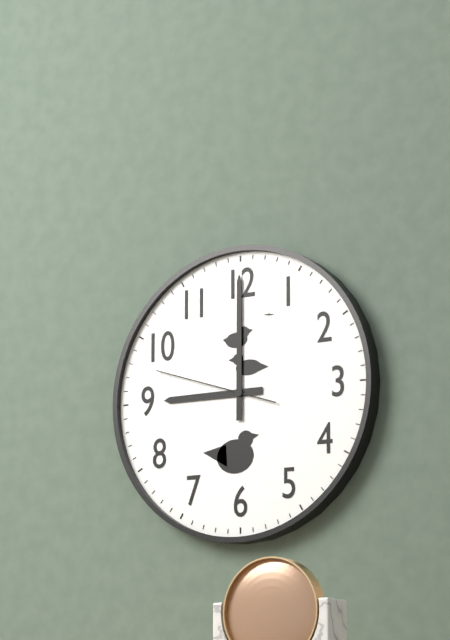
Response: 9:00:48
